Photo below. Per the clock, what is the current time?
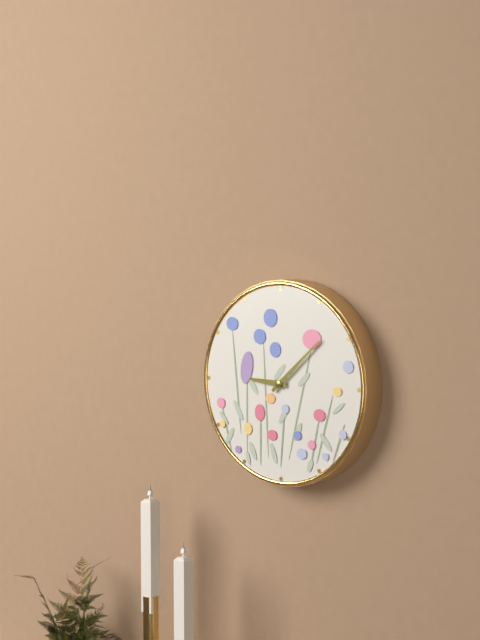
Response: 9:08
